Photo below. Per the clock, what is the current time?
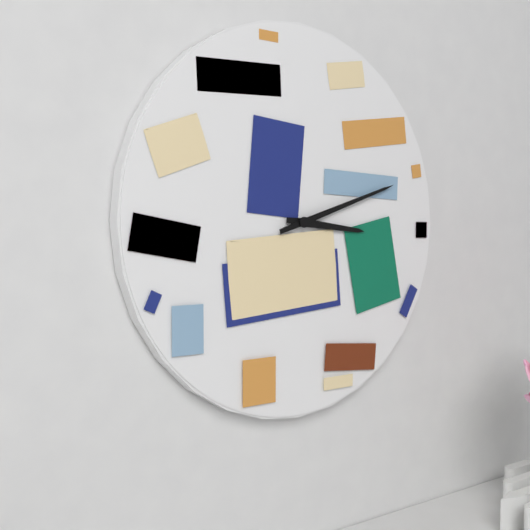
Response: 3:12
